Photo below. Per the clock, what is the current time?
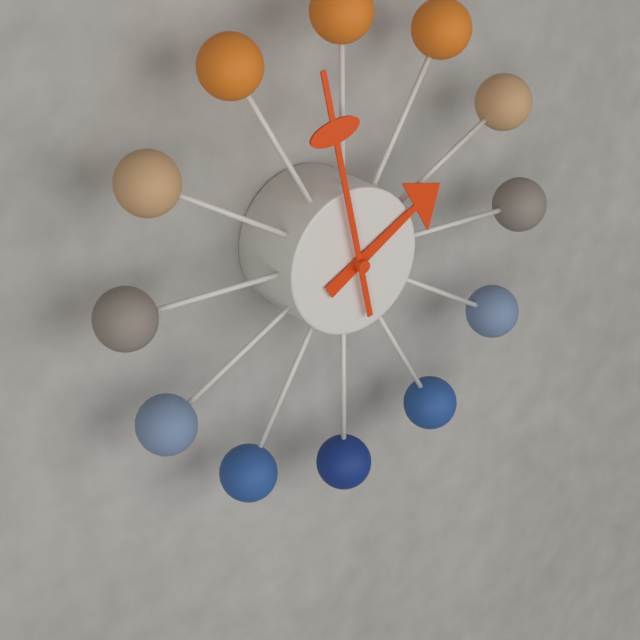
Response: 1:58
